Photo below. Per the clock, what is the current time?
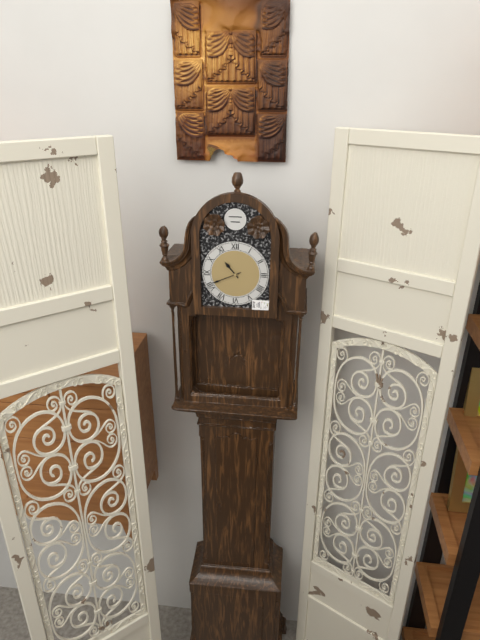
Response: 10:41
